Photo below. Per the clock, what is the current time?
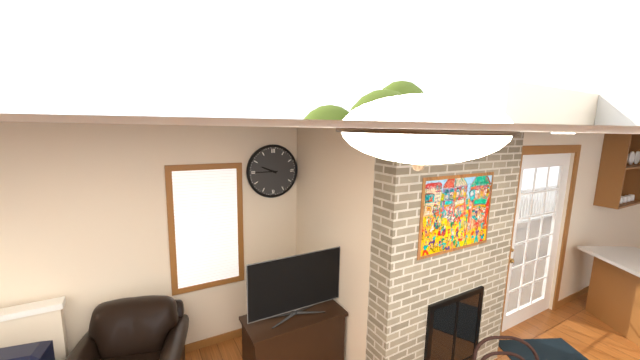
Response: 9:45
